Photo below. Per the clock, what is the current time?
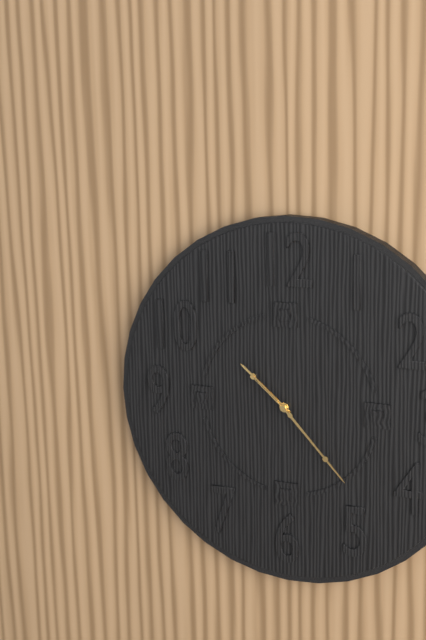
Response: 10:23:52
